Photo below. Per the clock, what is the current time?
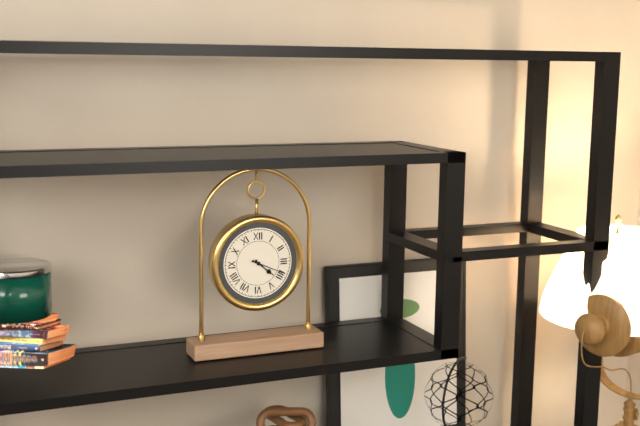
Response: 4:19
